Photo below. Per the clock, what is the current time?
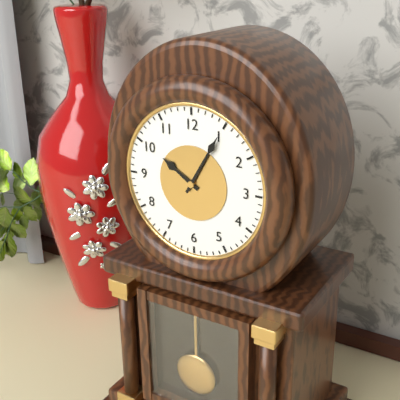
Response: 10:05
